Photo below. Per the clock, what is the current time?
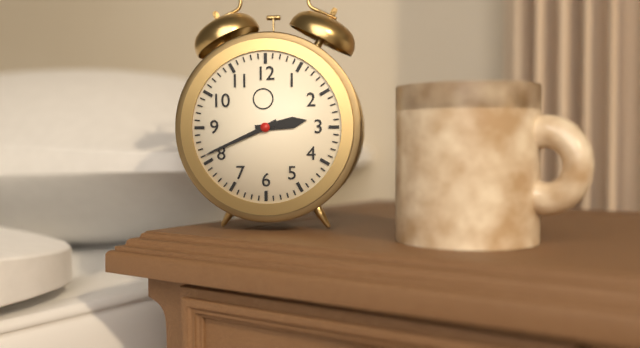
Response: 2:41
